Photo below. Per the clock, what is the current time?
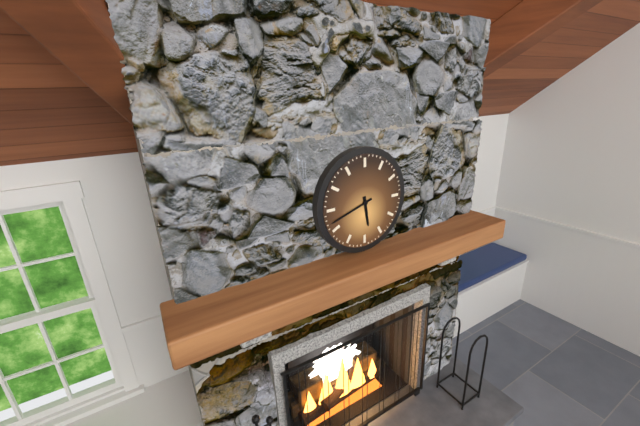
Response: 5:42
